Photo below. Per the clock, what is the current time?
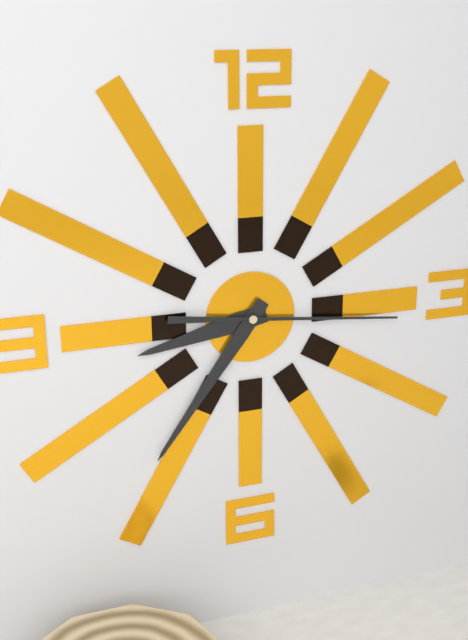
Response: 8:36:16
